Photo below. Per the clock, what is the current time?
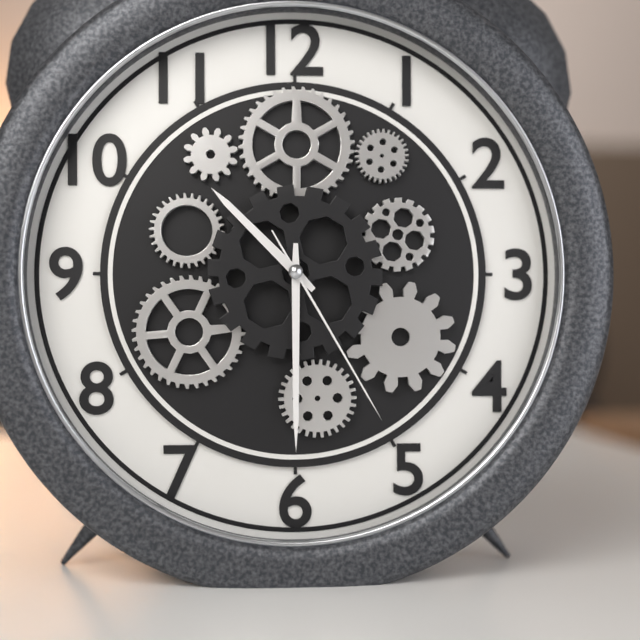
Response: 10:30:25
